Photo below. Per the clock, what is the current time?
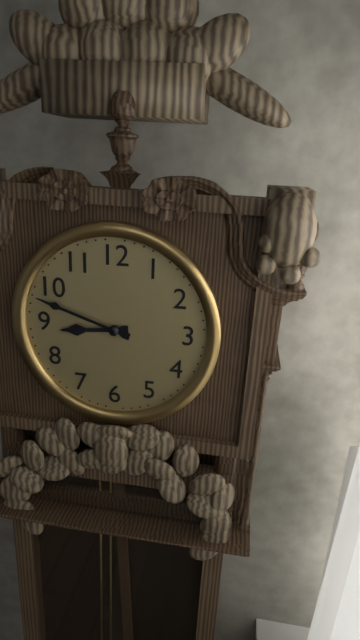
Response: 8:48
